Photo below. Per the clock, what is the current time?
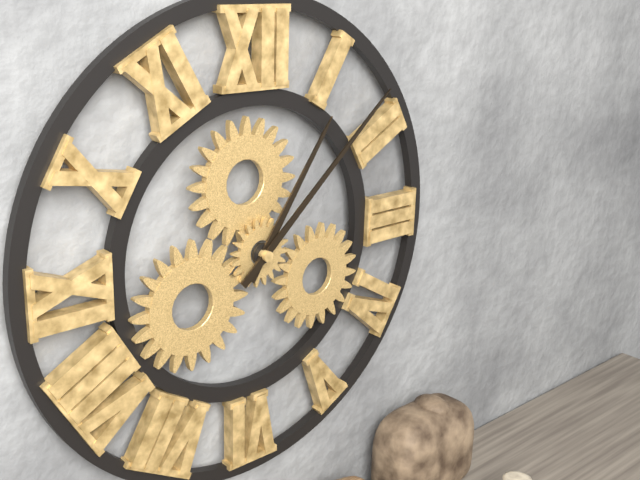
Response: 1:08
